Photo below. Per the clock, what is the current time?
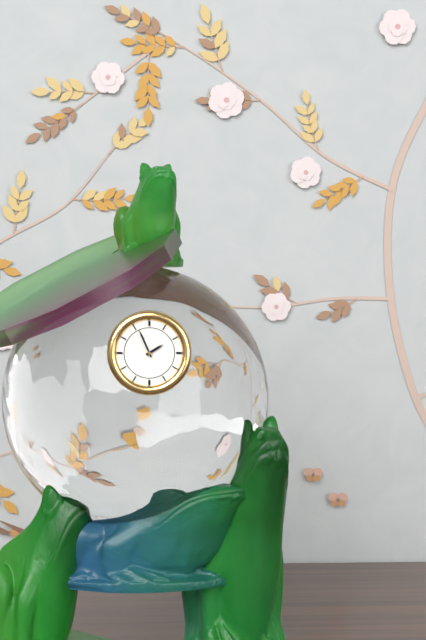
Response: 1:56
